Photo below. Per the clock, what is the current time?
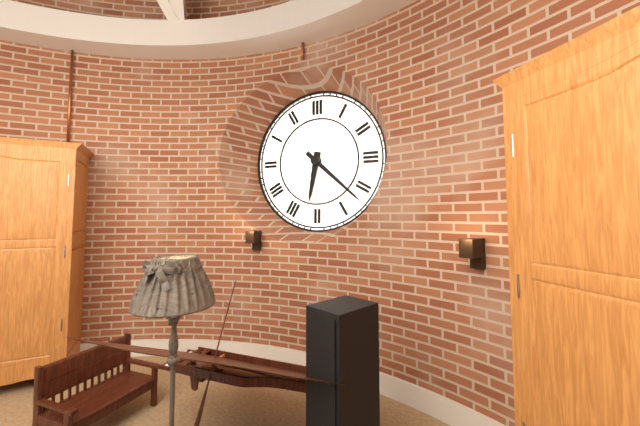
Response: 6:22
